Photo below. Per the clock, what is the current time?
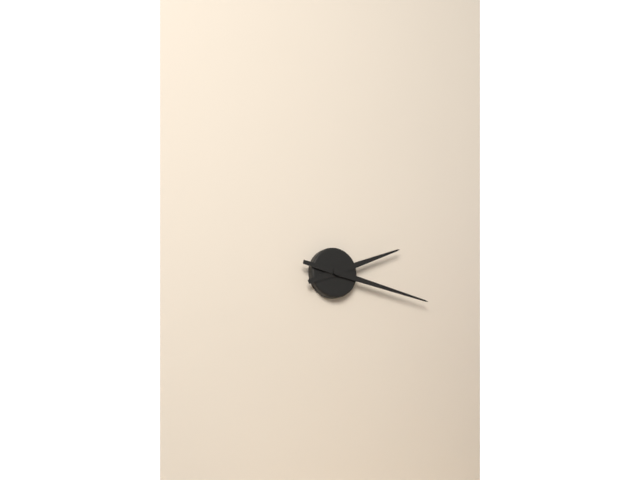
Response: 2:17
